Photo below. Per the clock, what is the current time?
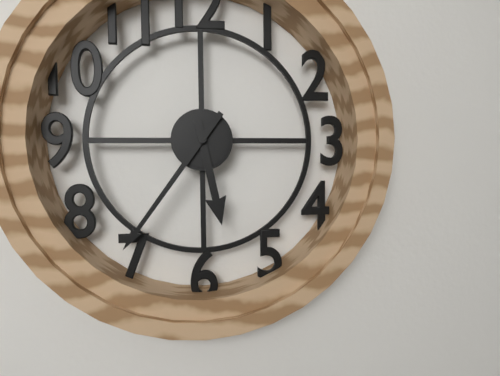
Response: 5:36
